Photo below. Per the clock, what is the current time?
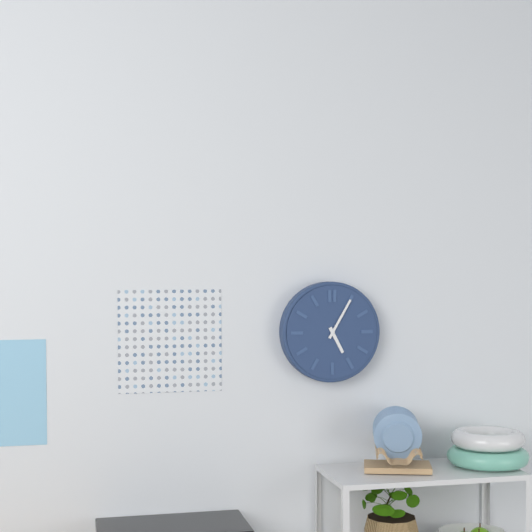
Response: 5:05
